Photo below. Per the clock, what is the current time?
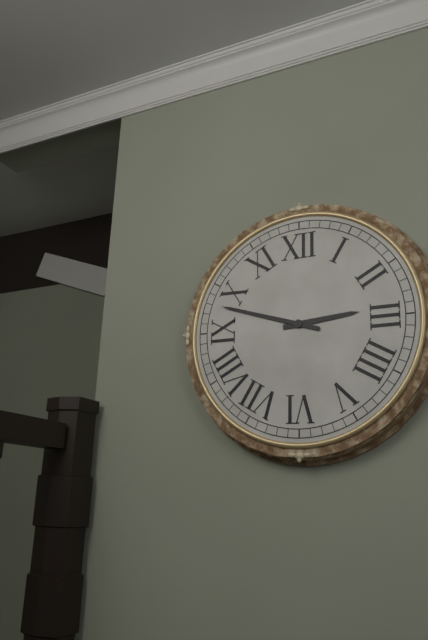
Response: 2:48
